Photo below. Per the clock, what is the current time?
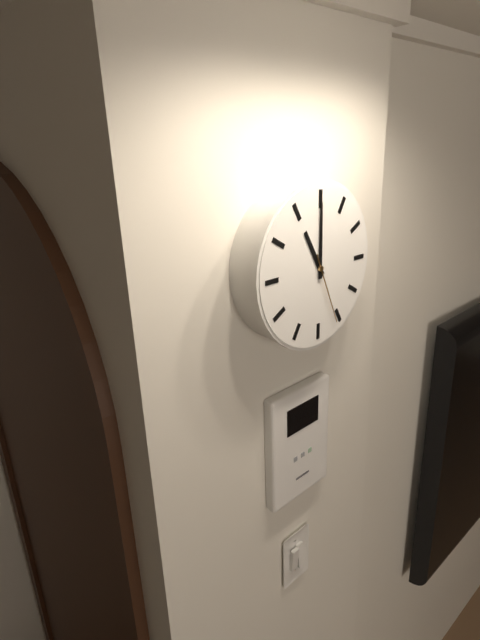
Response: 11:00:26
